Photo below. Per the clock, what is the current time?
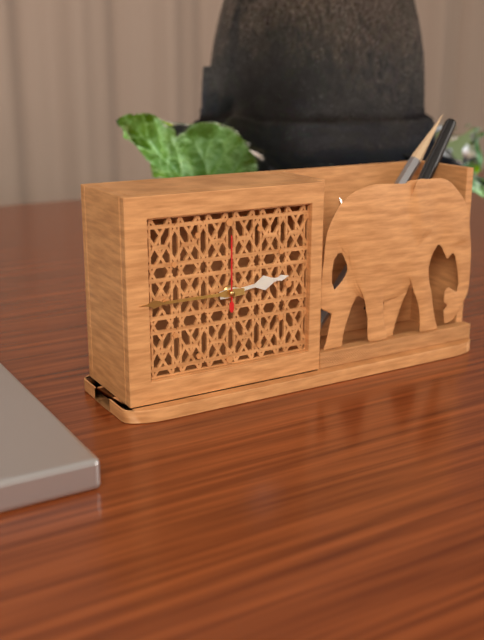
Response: 2:45:00
